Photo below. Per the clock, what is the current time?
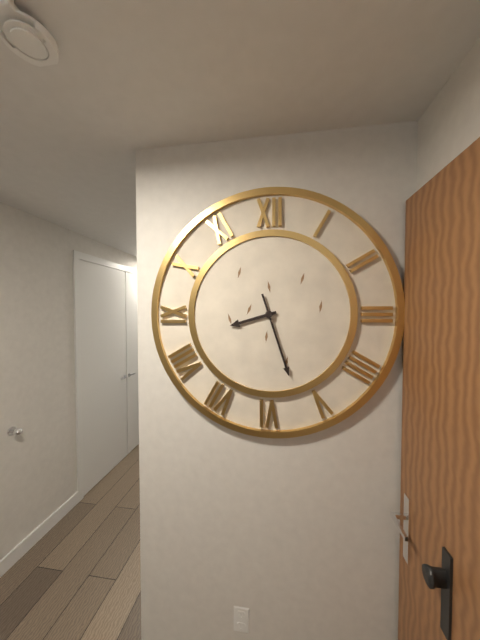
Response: 8:27
